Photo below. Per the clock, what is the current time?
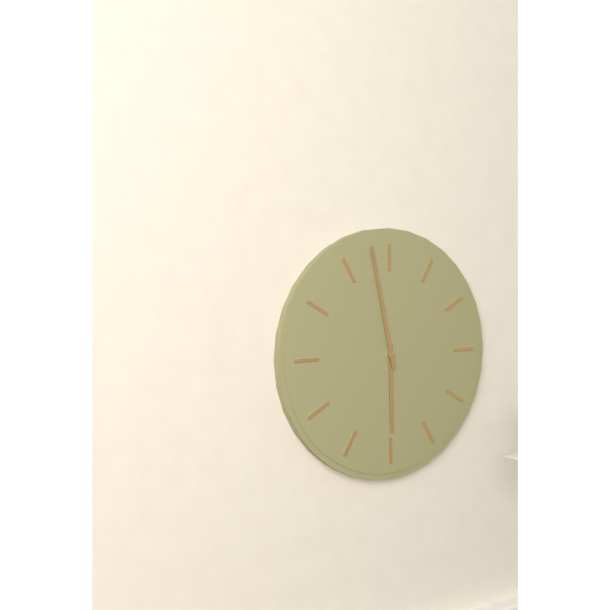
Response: 5:58
